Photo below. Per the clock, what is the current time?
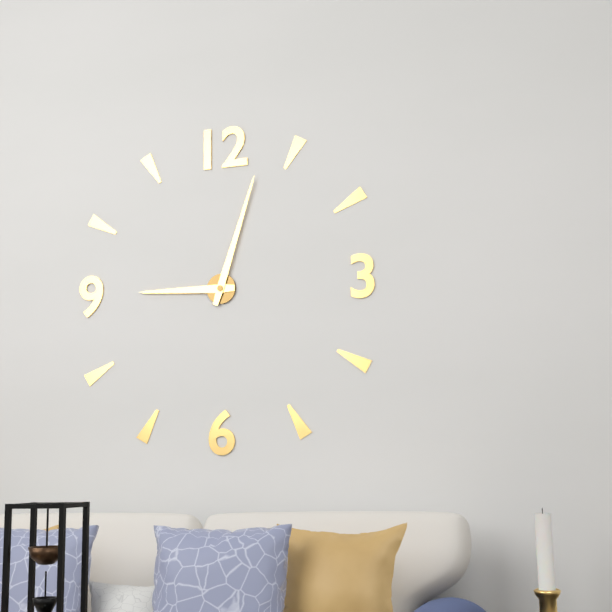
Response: 9:03
